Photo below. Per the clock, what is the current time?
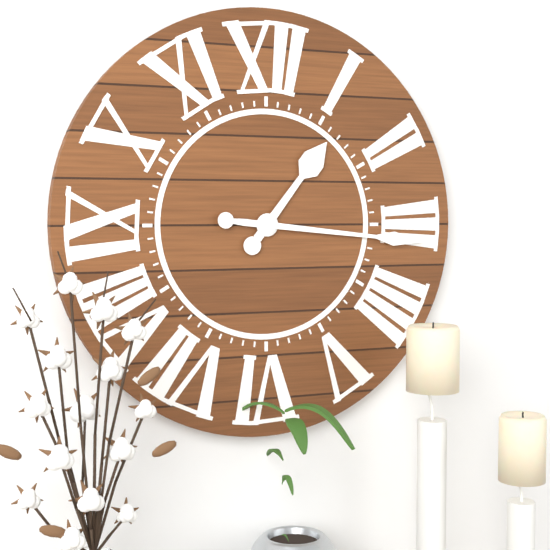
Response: 1:16
